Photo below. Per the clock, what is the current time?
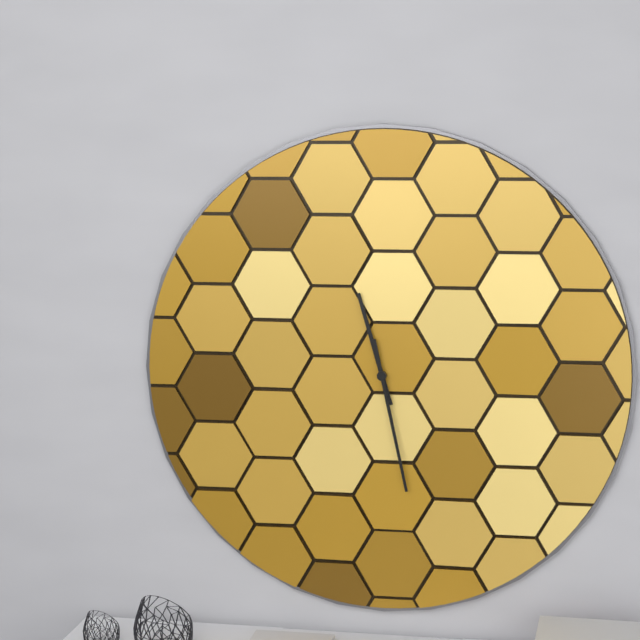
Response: 11:28
